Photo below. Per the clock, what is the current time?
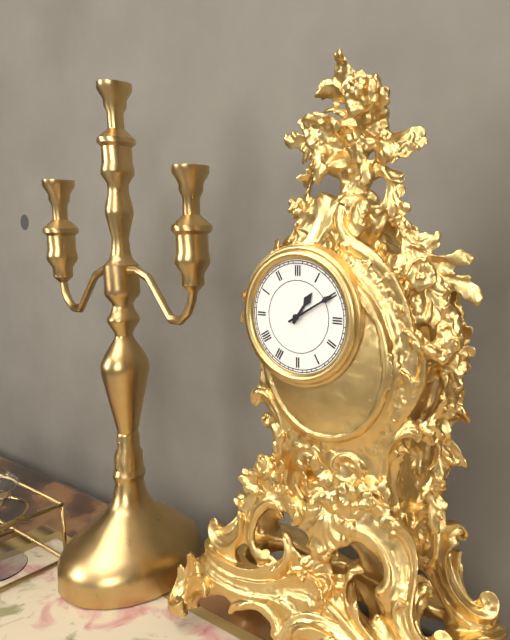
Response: 1:10
